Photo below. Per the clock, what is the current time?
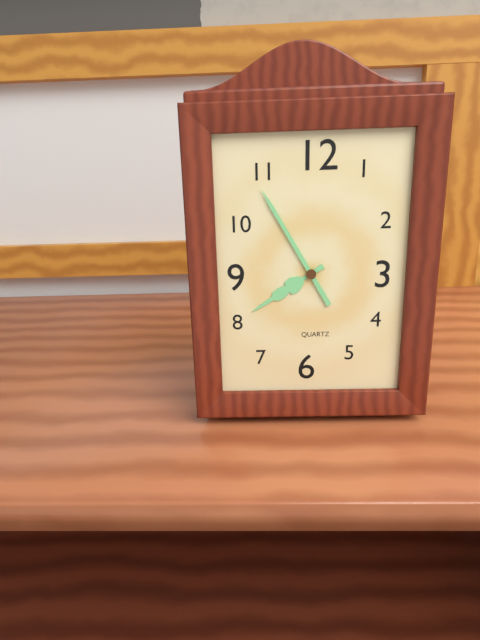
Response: 7:55
